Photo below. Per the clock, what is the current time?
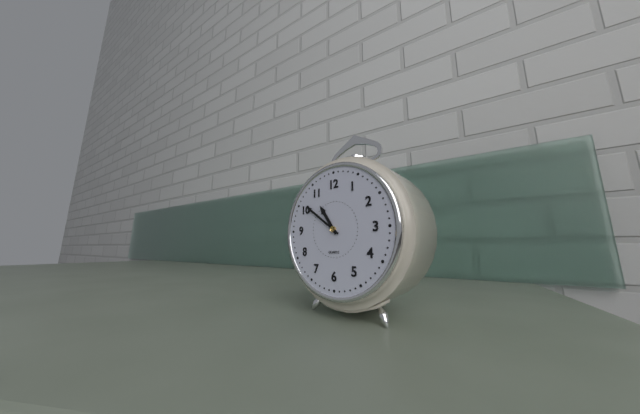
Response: 10:51
